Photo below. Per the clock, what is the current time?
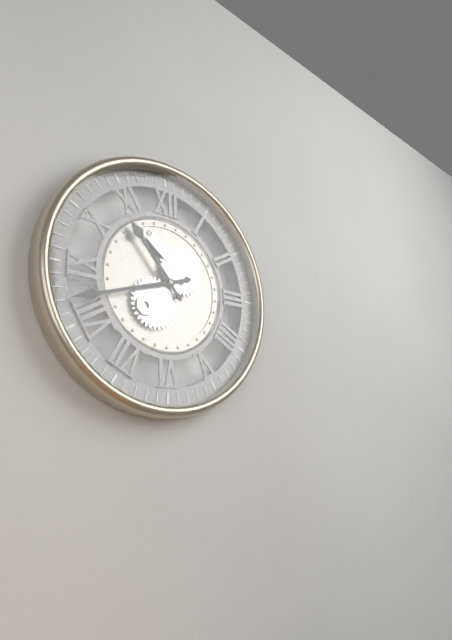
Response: 10:42
